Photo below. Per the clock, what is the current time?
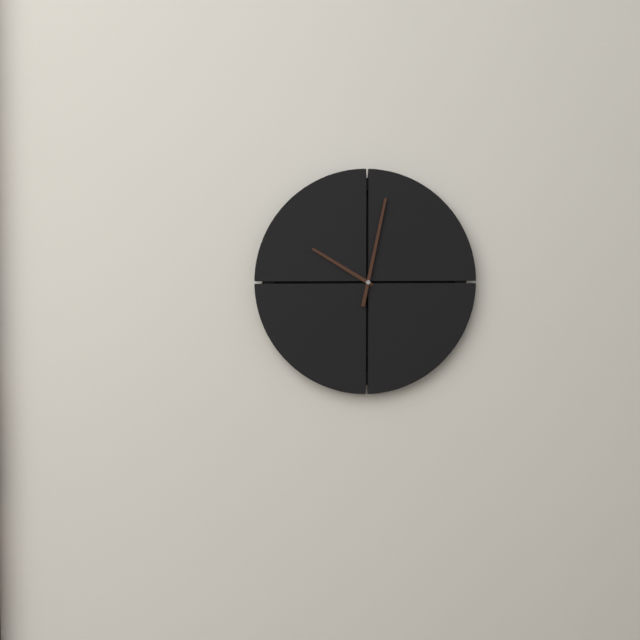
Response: 10:02
